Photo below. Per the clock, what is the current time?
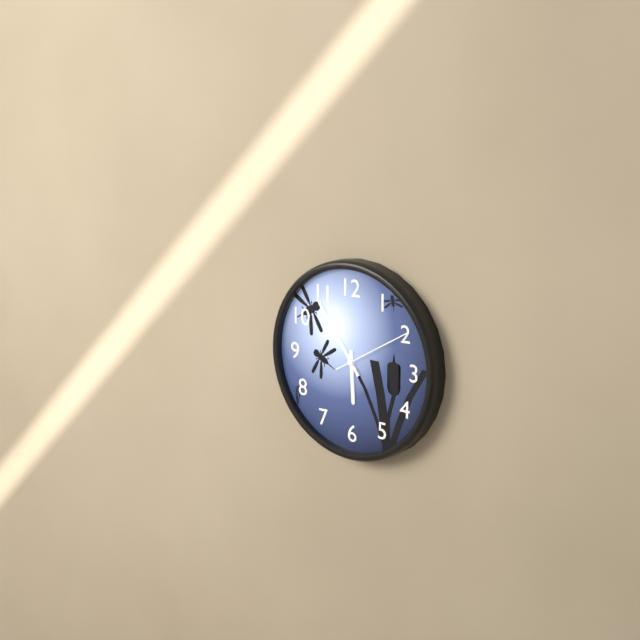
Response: 5:54:10
